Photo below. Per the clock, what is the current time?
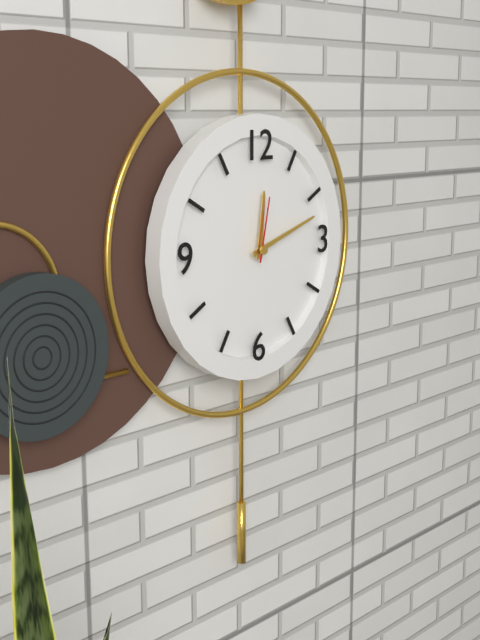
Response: 12:12:02
